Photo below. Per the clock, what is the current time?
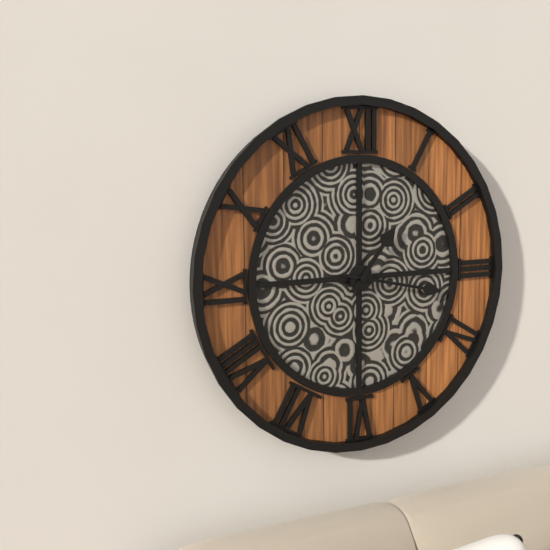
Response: 1:17
